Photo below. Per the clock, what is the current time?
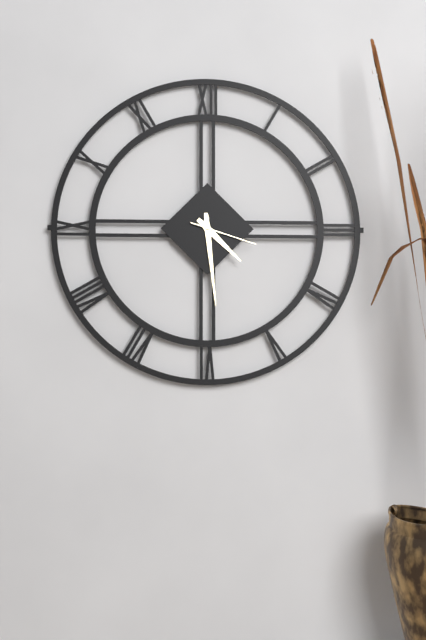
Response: 4:29:18
